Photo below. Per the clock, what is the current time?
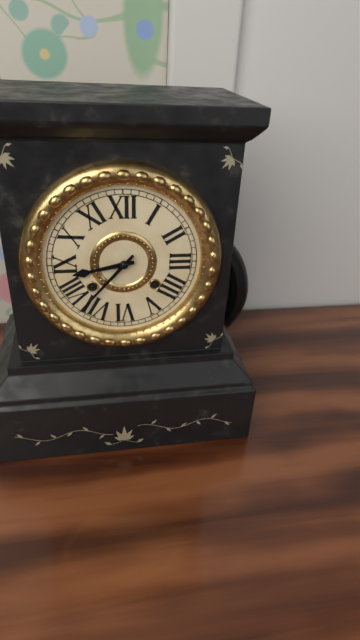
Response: 8:37
